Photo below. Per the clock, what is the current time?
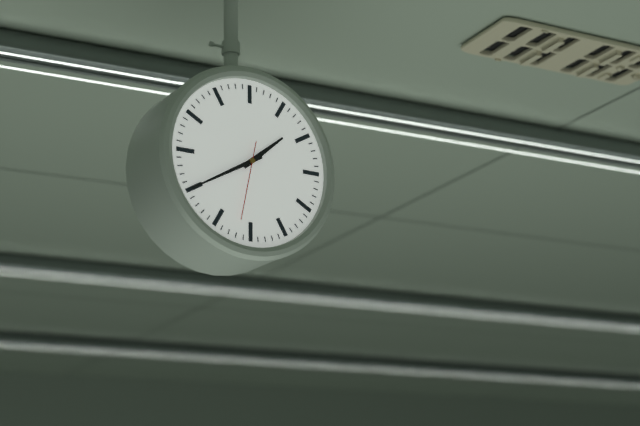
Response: 1:40:32
